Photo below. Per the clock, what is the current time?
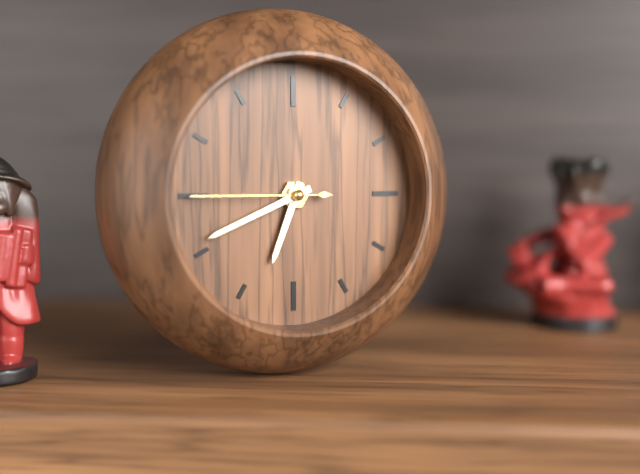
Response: 6:41:45
